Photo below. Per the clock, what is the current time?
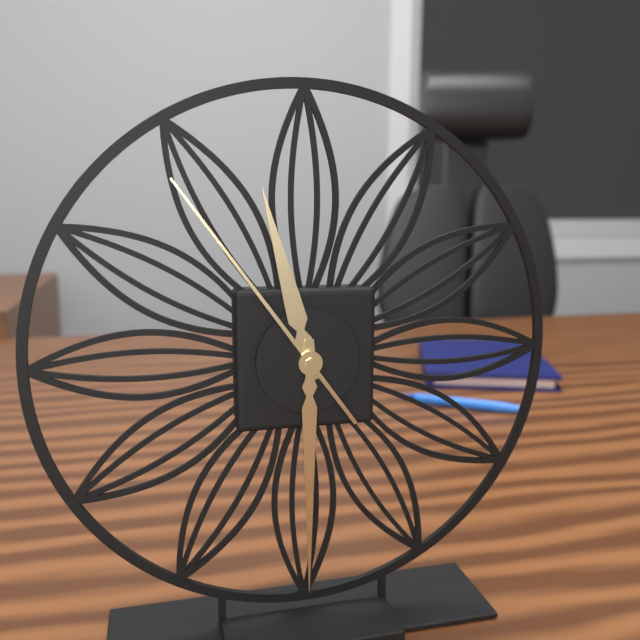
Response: 11:30:54
